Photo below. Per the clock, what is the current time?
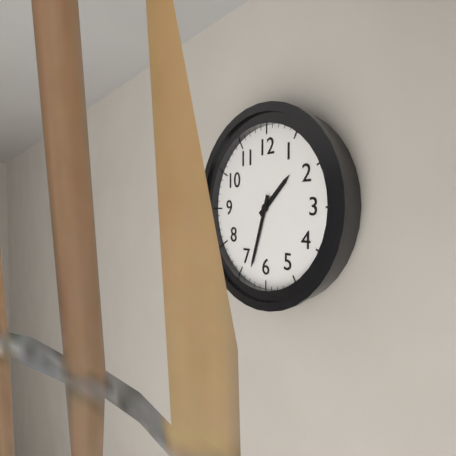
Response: 1:33
